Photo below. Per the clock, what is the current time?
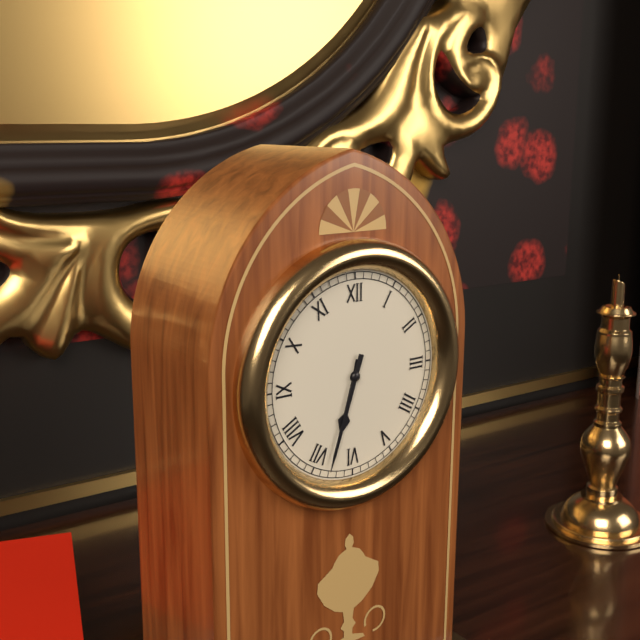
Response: 6:33
